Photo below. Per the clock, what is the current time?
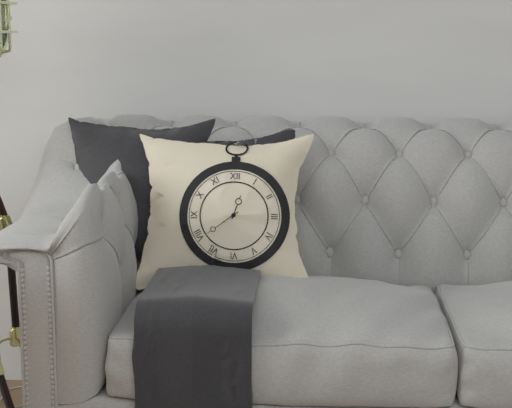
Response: 12:39
